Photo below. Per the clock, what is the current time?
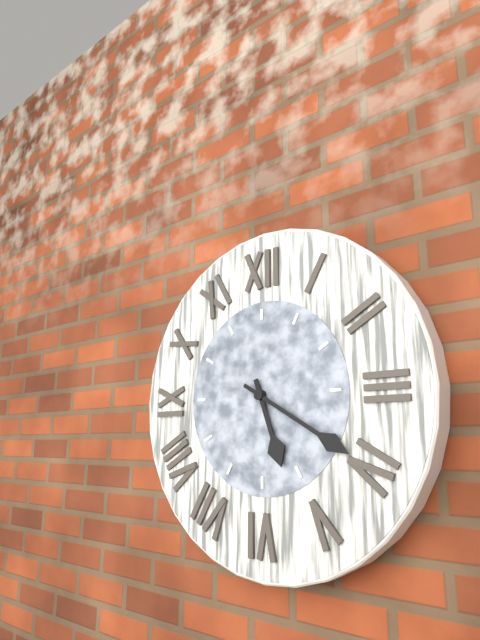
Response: 5:20
